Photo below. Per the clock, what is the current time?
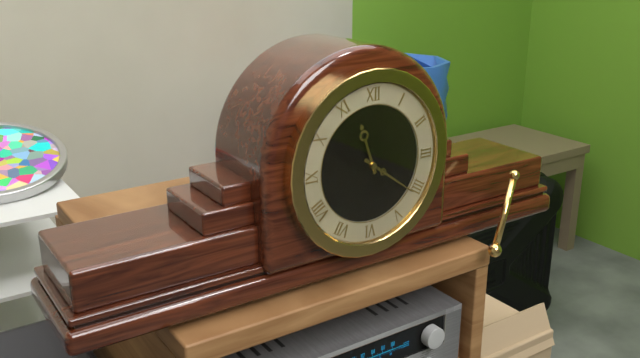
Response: 11:21
